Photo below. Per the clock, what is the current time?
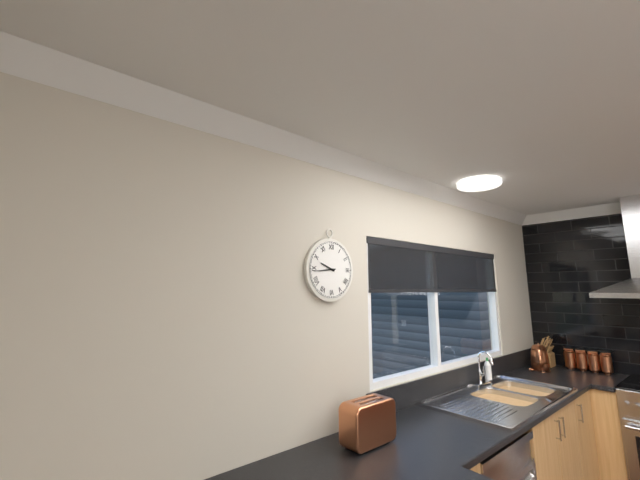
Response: 9:44
